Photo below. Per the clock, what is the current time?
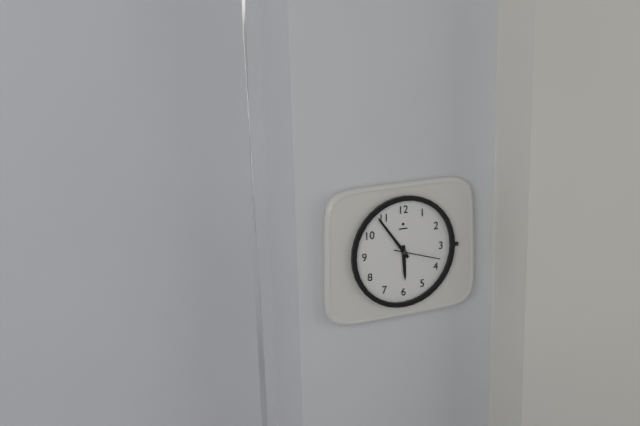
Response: 5:54
